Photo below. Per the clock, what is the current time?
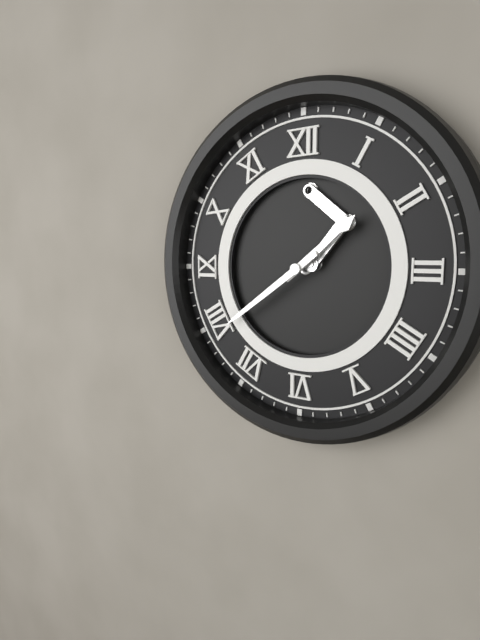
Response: 1:39
